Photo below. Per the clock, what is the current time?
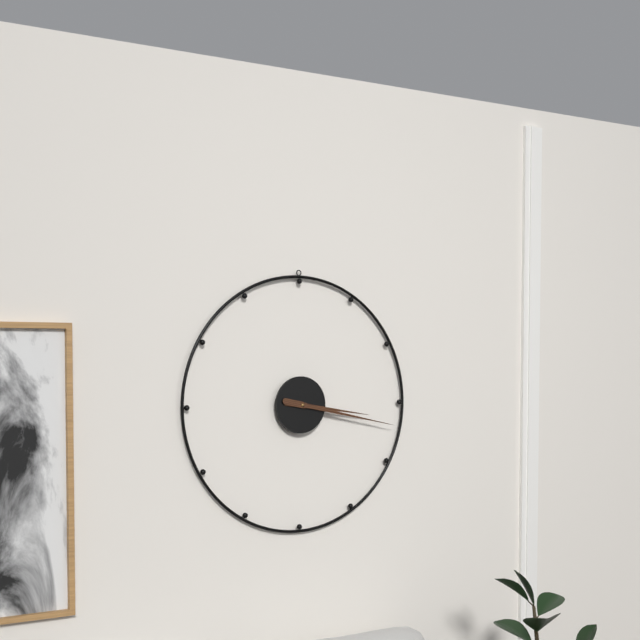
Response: 3:17
